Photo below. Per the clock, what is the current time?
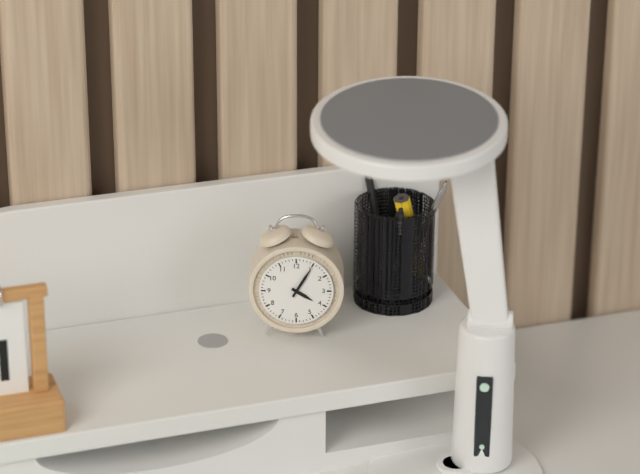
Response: 4:05
